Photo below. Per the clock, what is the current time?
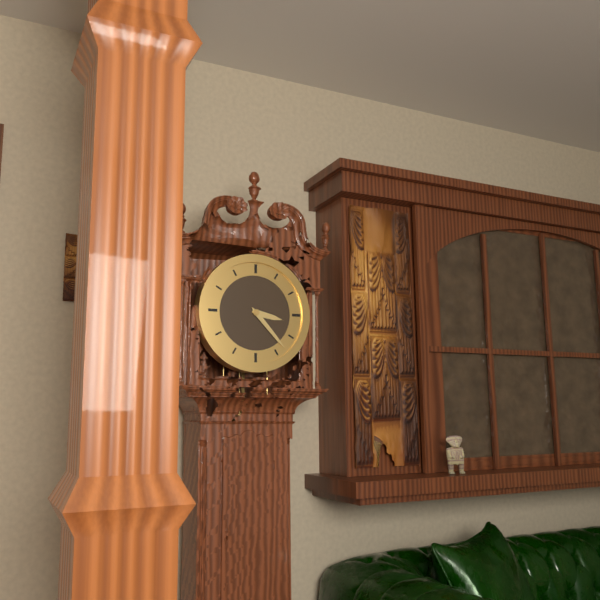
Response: 3:23
